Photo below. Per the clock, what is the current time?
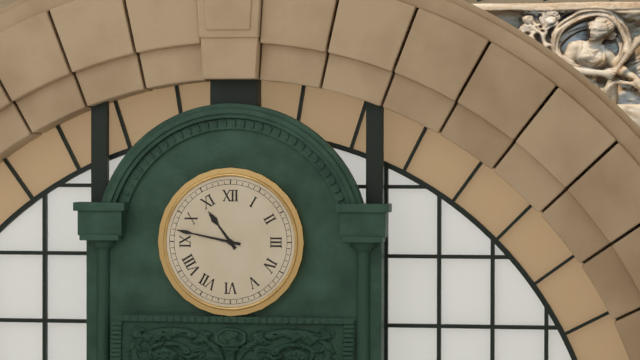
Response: 10:47
